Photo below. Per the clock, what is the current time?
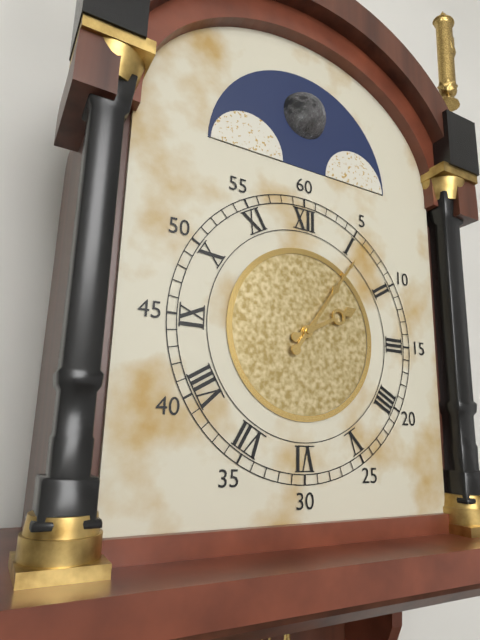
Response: 2:06
